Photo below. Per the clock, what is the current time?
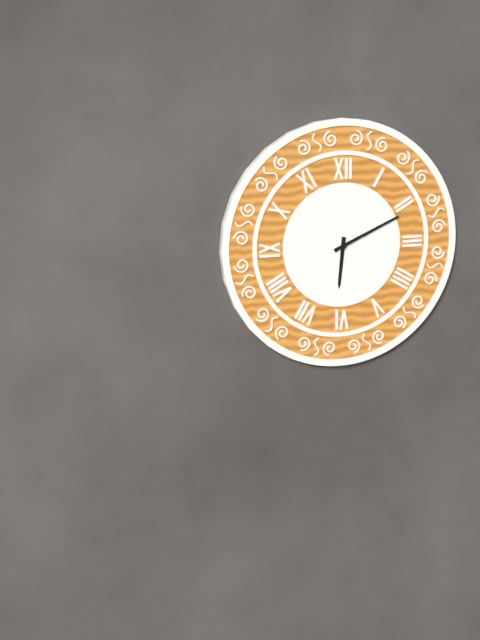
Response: 6:11
